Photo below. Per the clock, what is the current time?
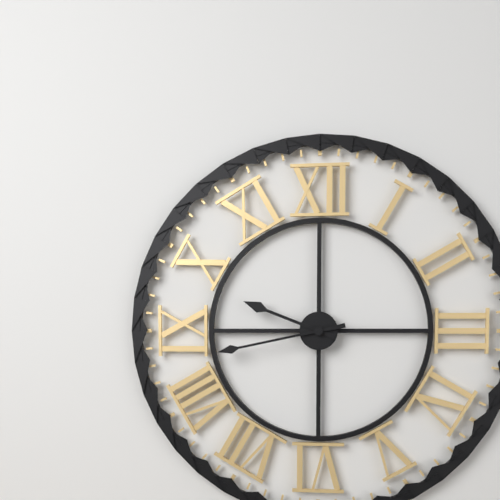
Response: 9:43
